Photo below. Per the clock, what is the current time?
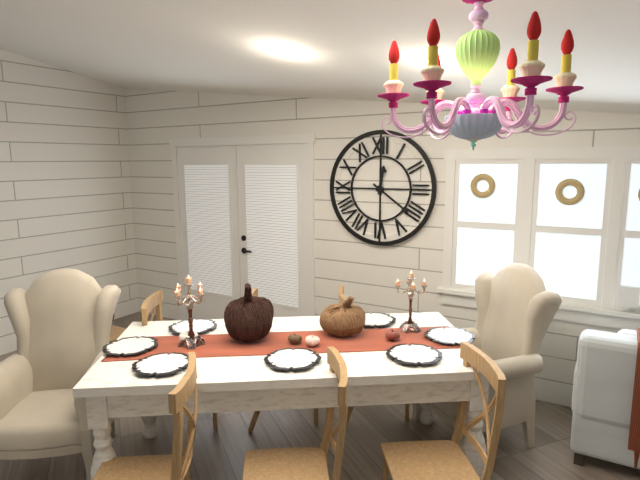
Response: 12:21
